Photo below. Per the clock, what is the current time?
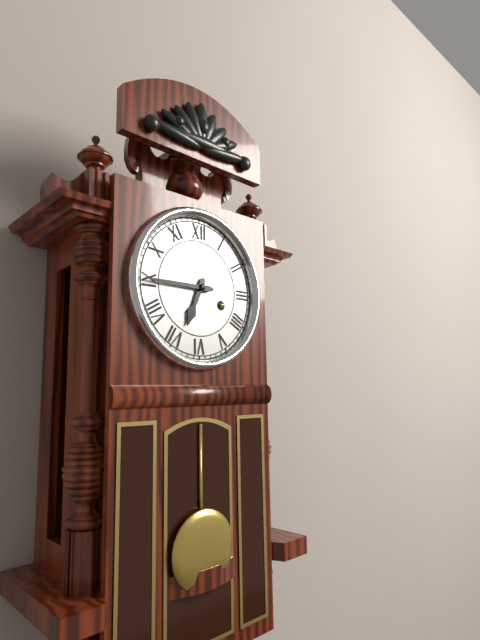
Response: 6:45
